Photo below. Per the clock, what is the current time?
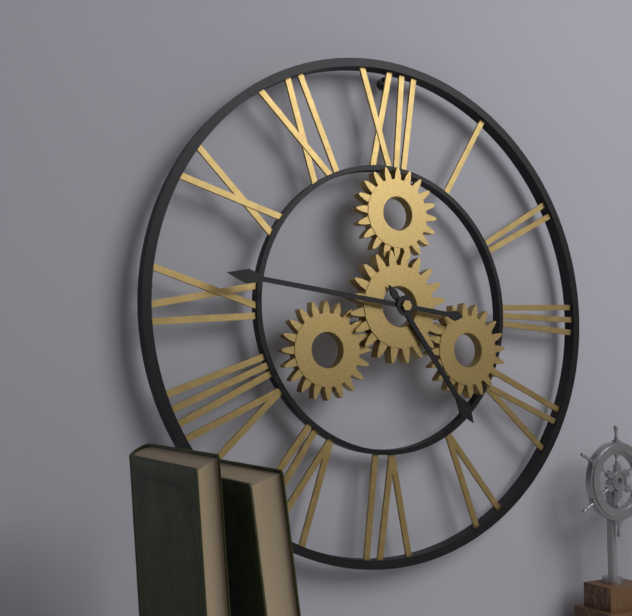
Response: 4:46
